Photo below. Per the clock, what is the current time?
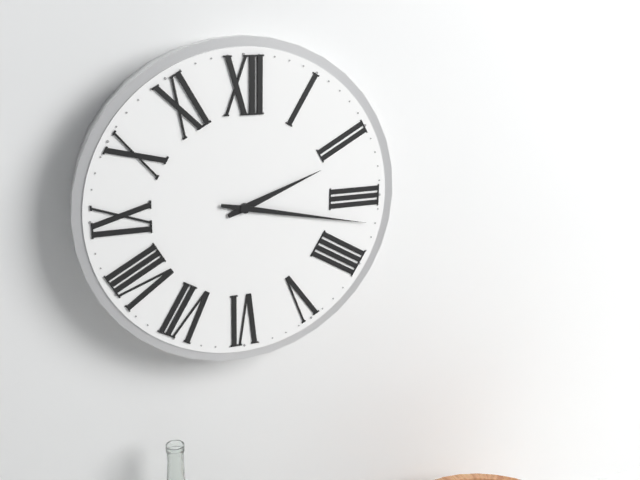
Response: 2:17
